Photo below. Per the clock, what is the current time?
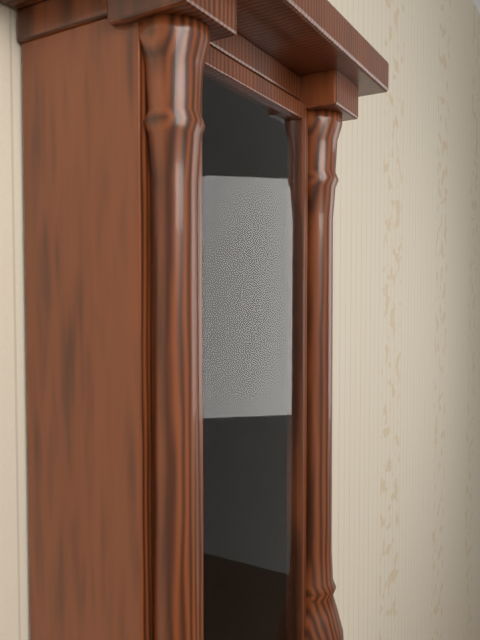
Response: 3:24
